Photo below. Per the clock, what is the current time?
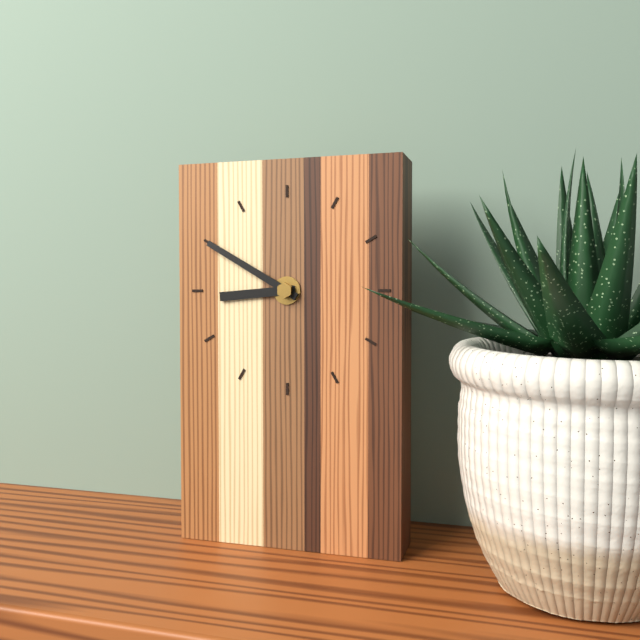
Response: 8:50
